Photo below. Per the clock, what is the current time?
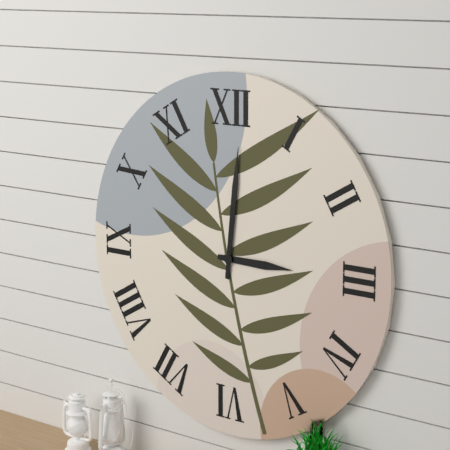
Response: 3:01
